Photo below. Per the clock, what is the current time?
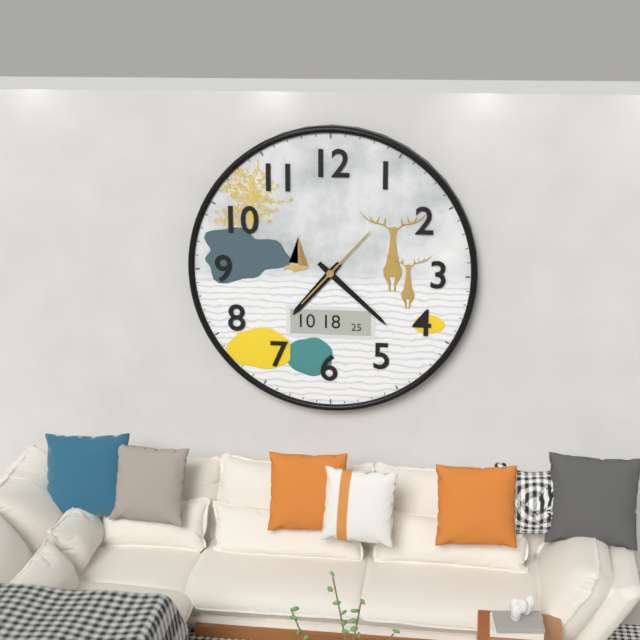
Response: 7:22:07
